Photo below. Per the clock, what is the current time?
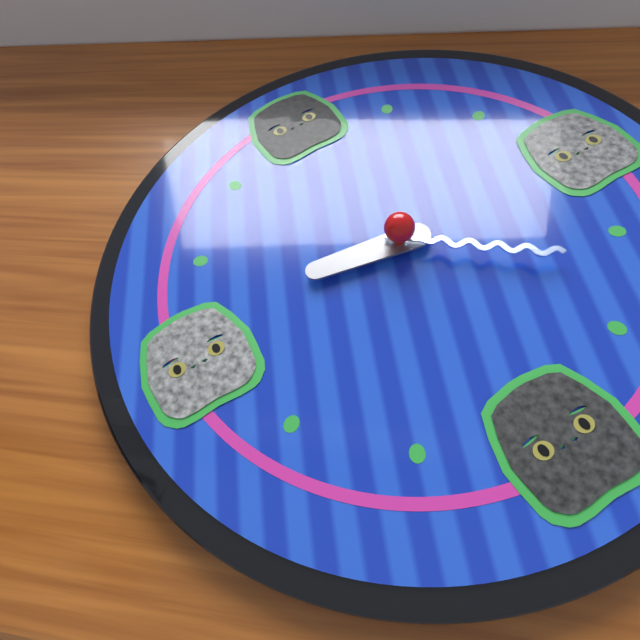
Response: 9:22
